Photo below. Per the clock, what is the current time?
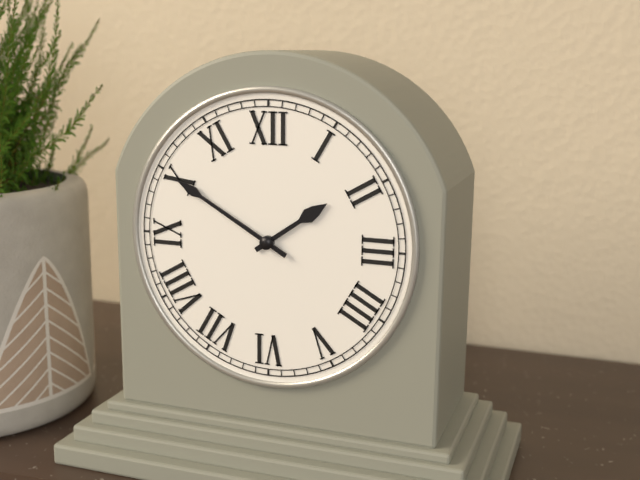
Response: 1:50
